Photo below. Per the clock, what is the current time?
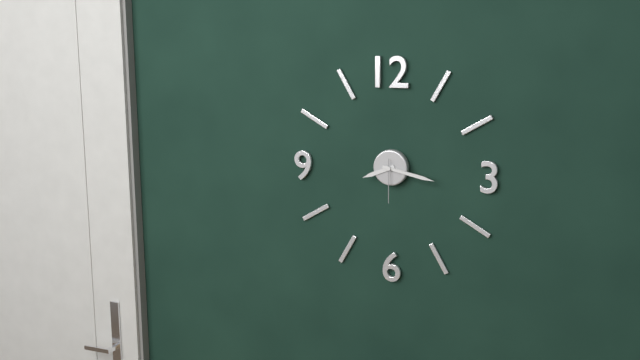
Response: 8:17
